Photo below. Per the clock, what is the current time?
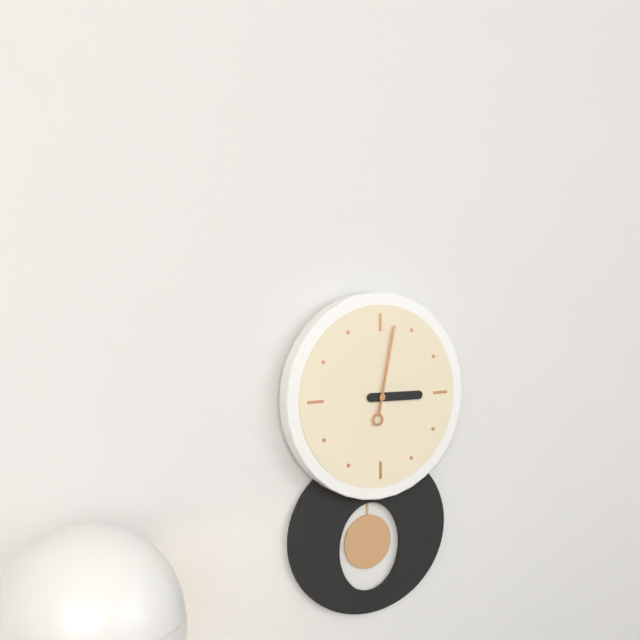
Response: 3:02
